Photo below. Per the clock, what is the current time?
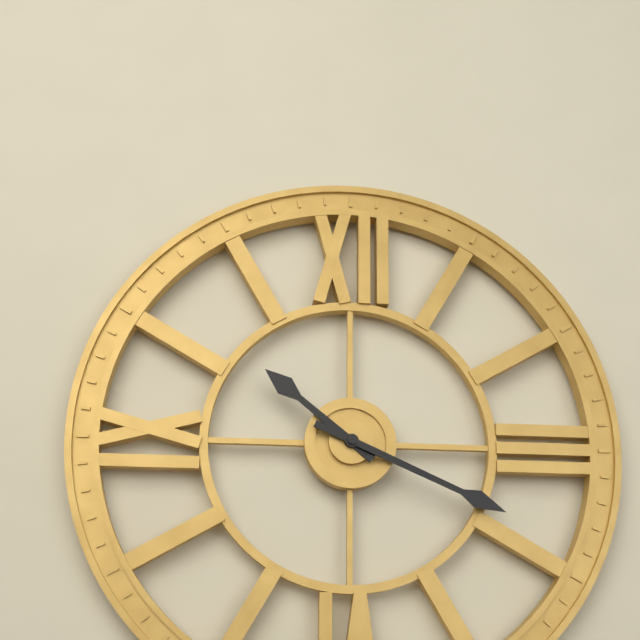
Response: 10:19
